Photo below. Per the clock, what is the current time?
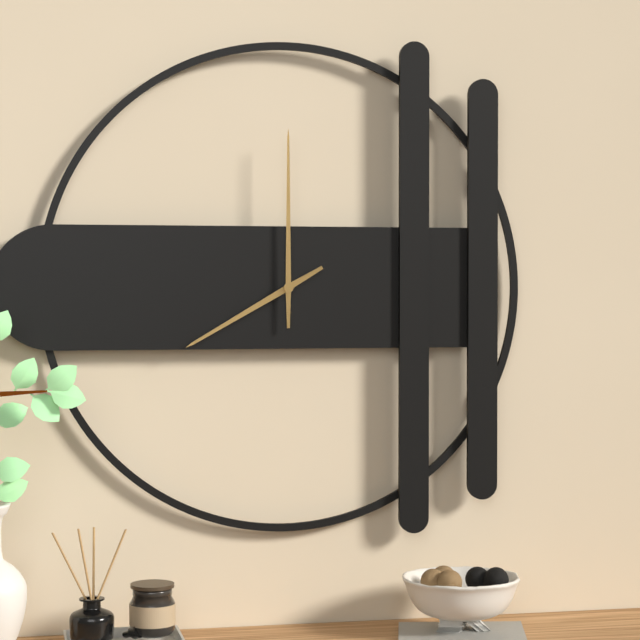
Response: 8:00
